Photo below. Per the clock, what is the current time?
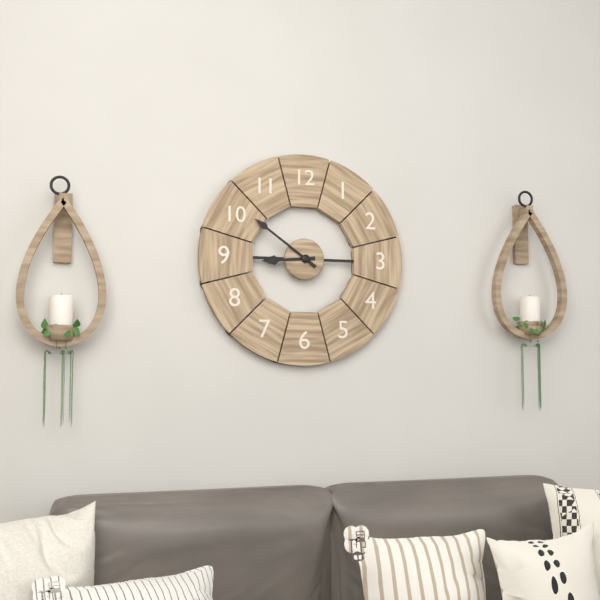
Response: 8:51
